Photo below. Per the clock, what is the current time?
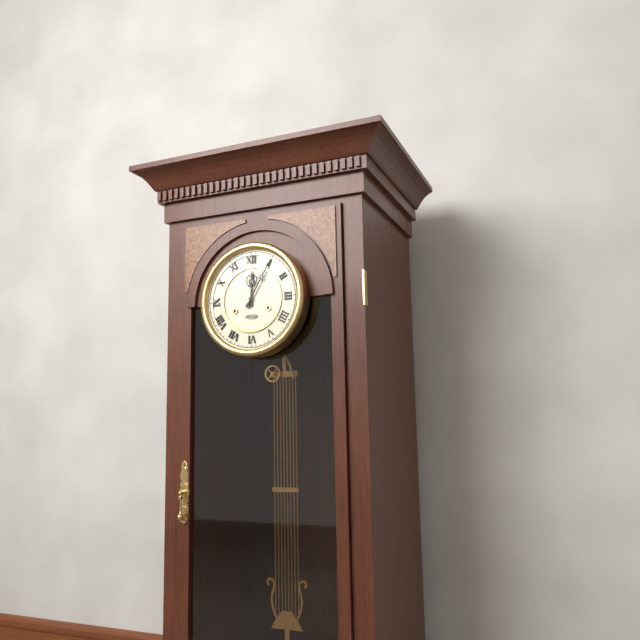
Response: 12:05
